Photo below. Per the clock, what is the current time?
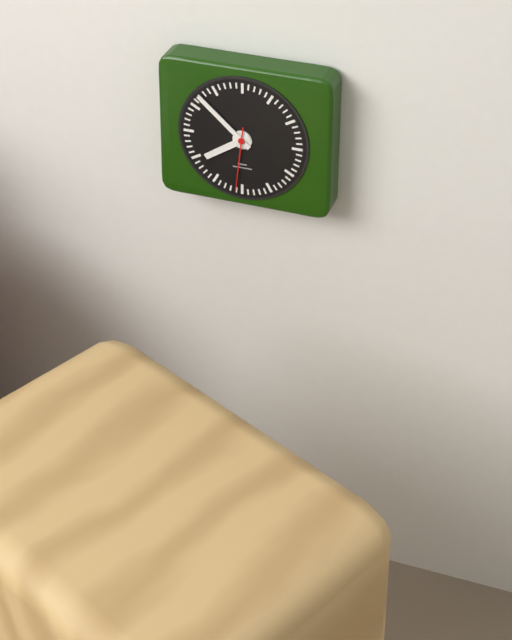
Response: 7:52:31
